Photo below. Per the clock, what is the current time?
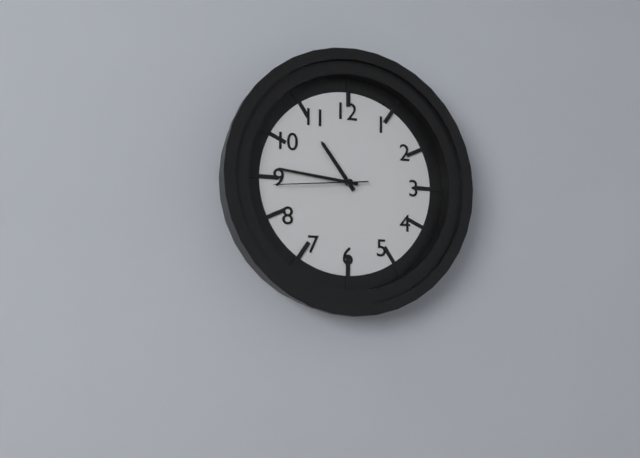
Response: 10:46:44
